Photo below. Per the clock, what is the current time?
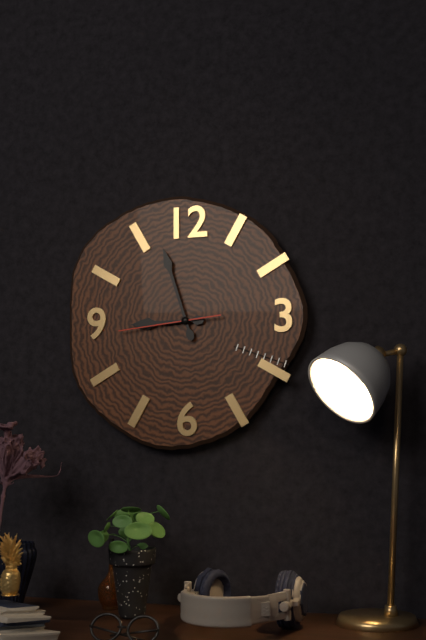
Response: 8:57:44
